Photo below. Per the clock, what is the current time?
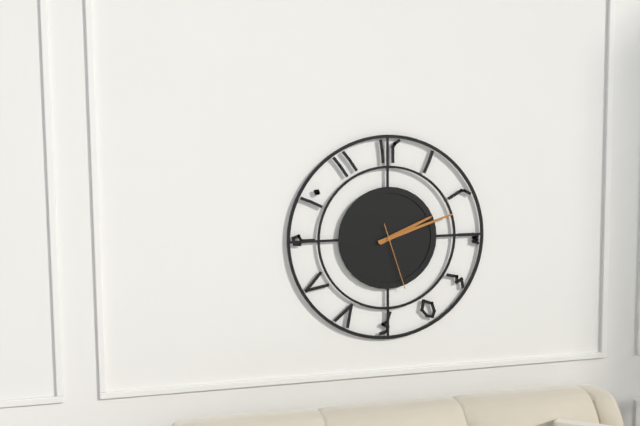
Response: 2:12:27
